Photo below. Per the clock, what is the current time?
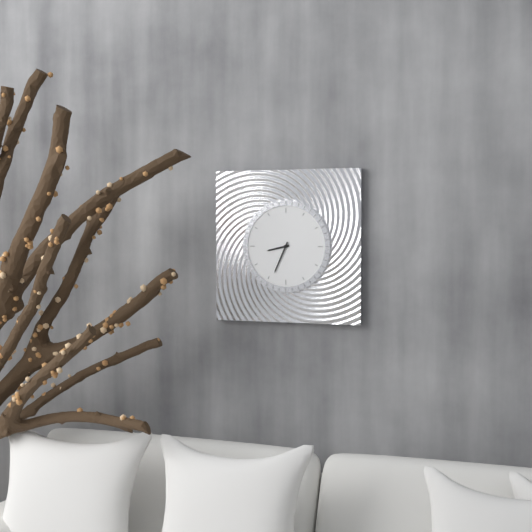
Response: 8:34
